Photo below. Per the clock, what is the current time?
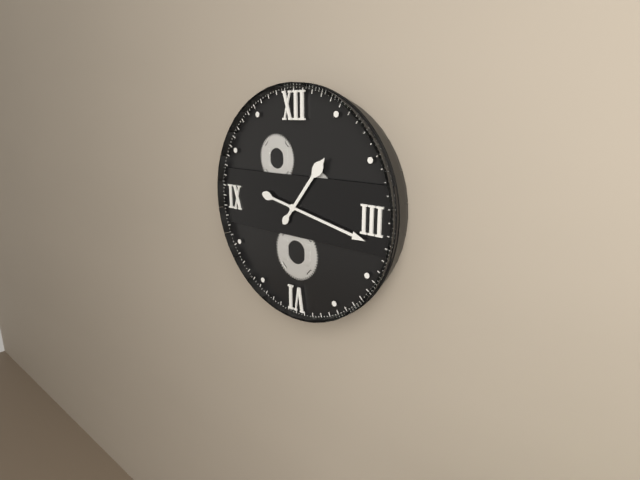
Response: 1:17
